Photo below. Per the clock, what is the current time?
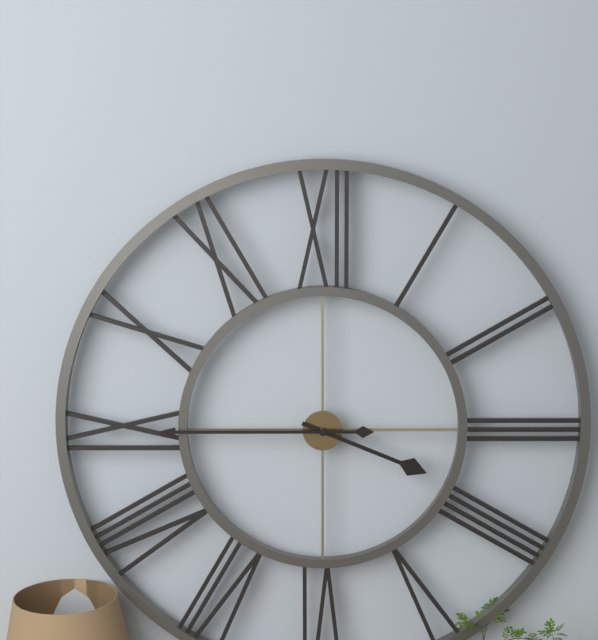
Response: 3:45
